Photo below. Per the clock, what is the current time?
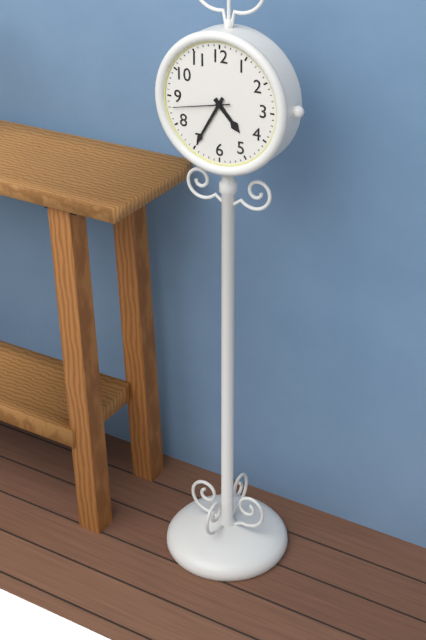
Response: 4:35:43
